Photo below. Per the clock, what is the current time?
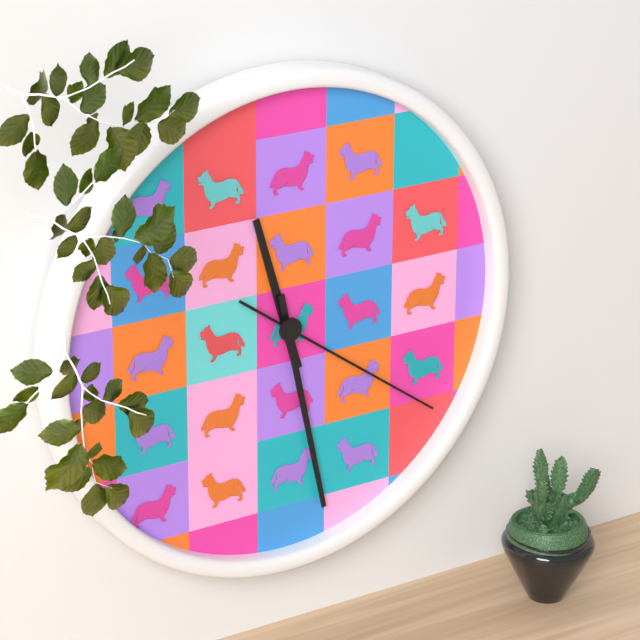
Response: 11:28:21
